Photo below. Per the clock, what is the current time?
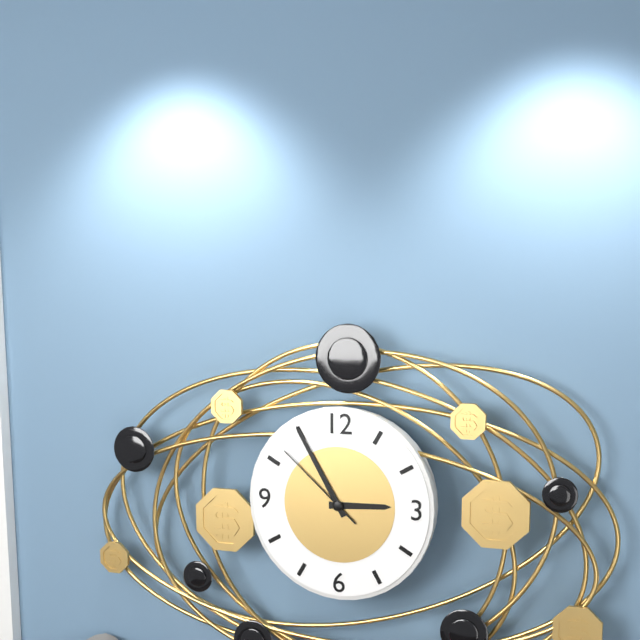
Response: 2:55:52
